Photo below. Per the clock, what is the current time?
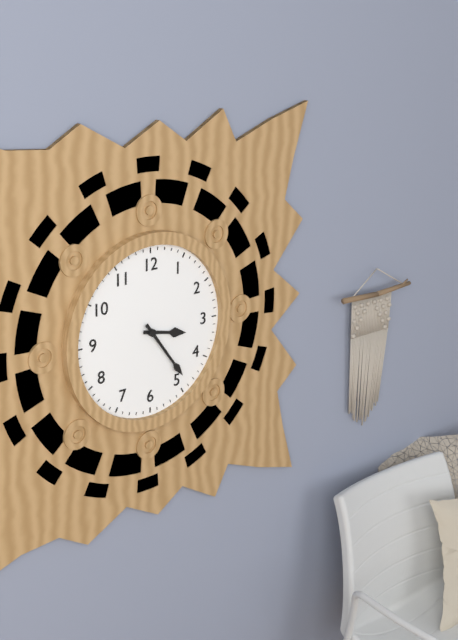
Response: 3:24
